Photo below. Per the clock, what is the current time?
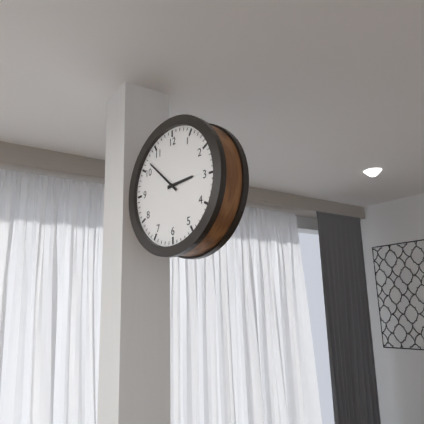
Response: 2:52
